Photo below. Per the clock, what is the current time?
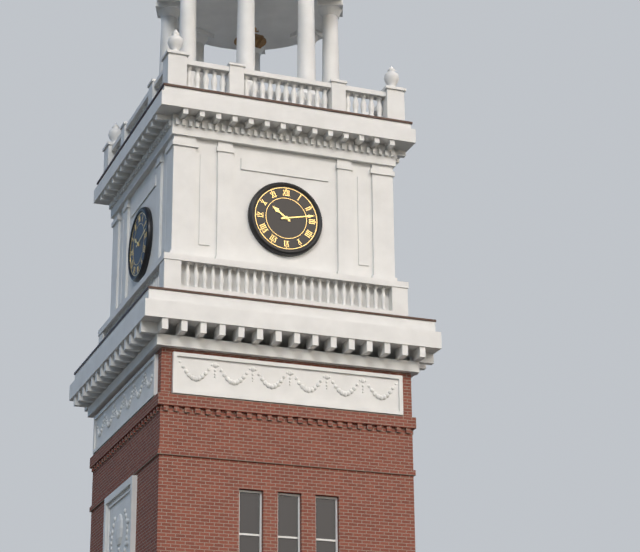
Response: 10:13
